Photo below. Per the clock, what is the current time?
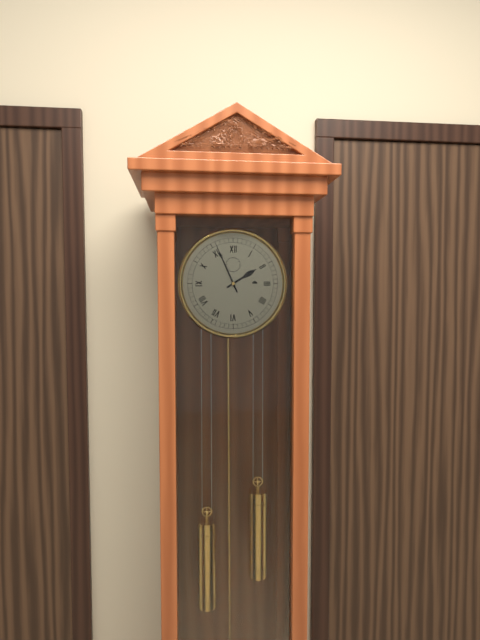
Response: 1:56
